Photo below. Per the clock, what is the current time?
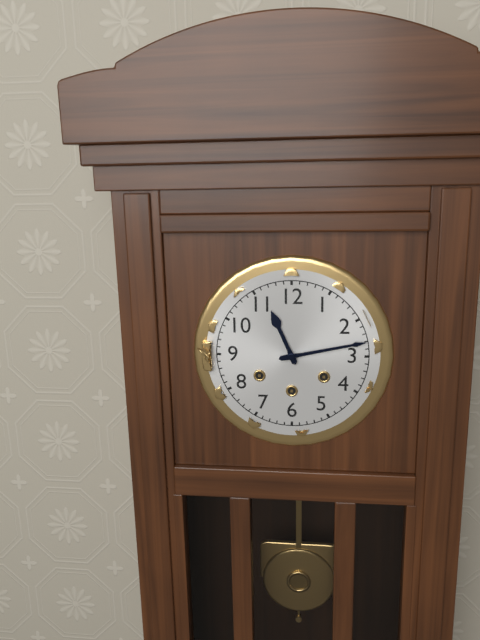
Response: 11:13
